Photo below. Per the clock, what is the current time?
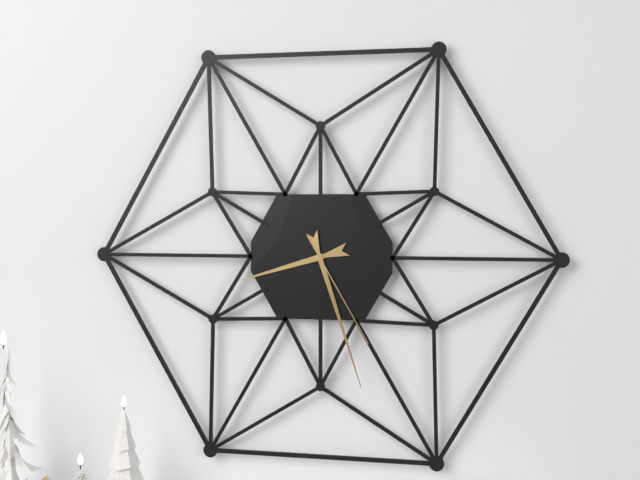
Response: 8:27:25
